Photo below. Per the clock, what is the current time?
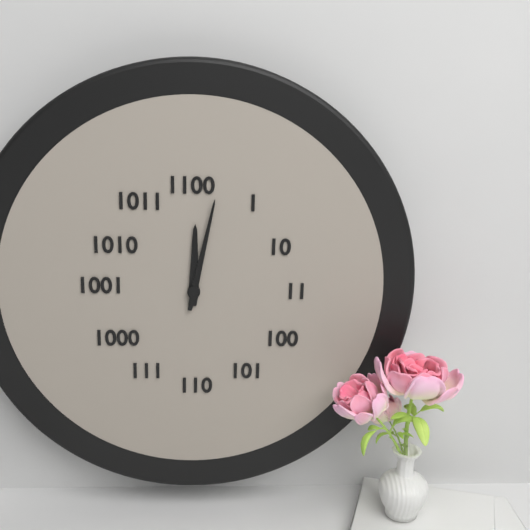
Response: 12:02
